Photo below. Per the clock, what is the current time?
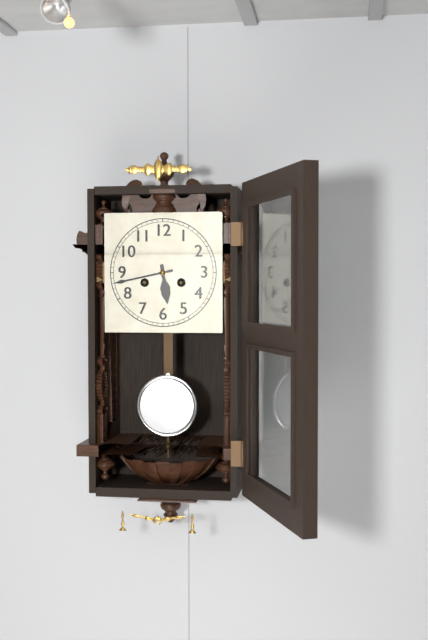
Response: 5:43
